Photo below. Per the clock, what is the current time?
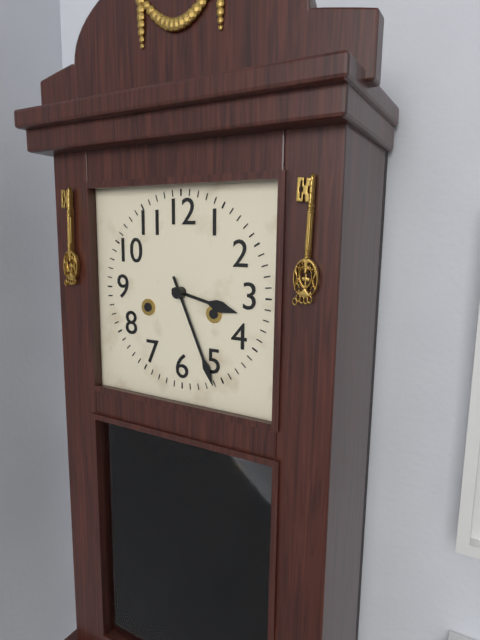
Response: 3:26
